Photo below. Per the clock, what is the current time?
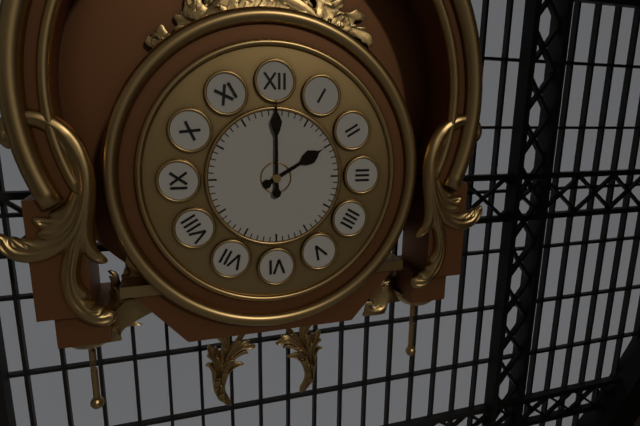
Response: 2:00
